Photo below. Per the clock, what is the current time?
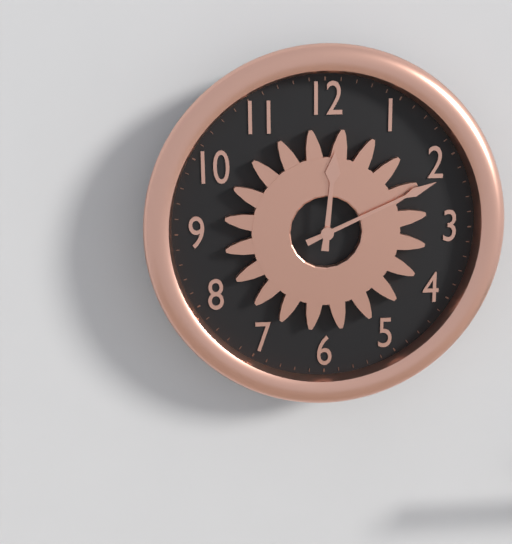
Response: 12:11
